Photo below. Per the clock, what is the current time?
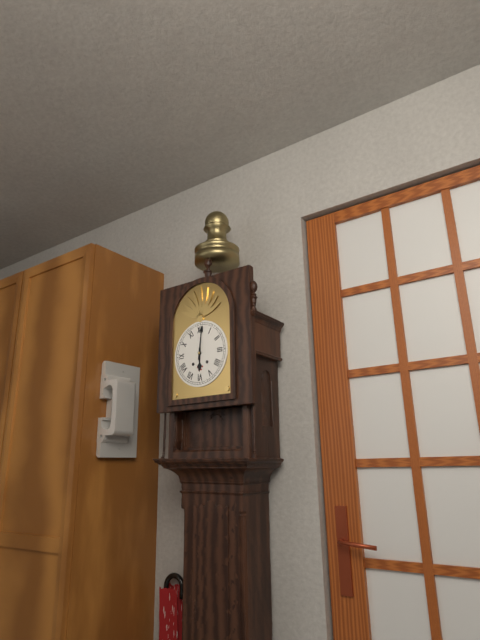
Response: 6:01
